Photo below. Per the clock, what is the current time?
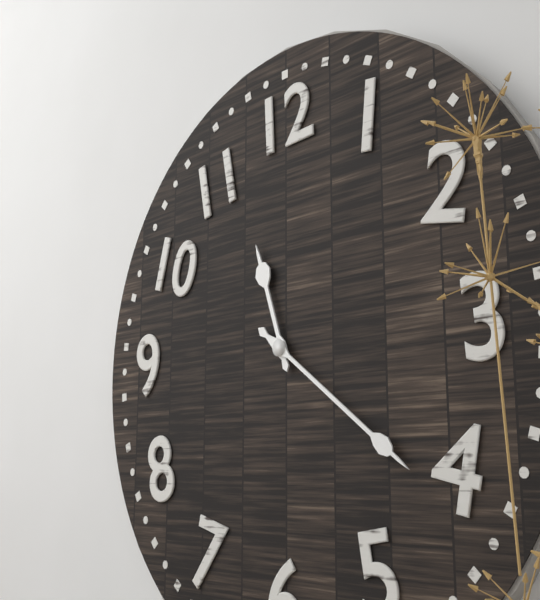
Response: 11:21
